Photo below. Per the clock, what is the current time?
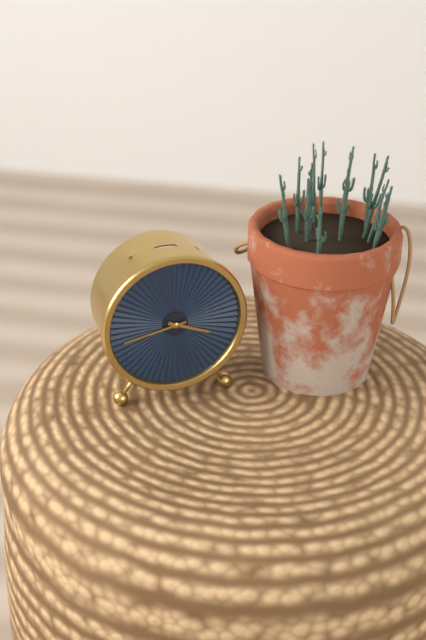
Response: 3:43
